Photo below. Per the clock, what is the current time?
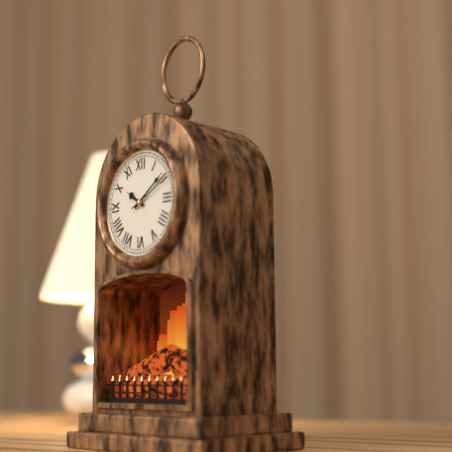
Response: 10:09
